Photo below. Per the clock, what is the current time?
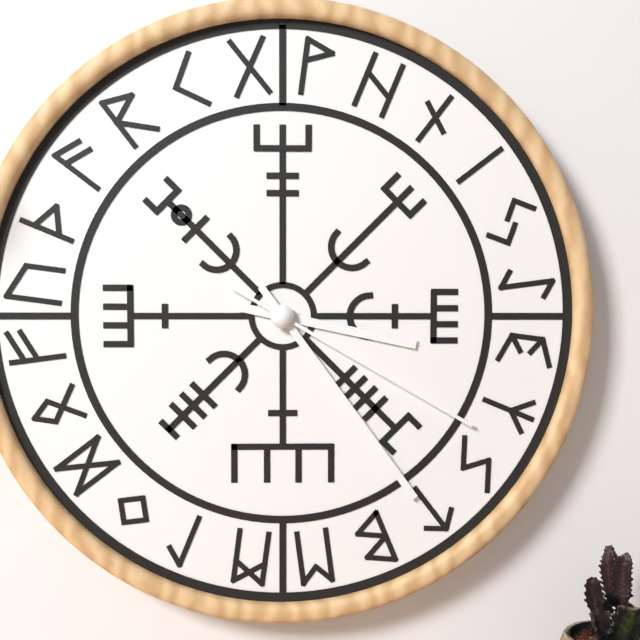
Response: 3:24:20
